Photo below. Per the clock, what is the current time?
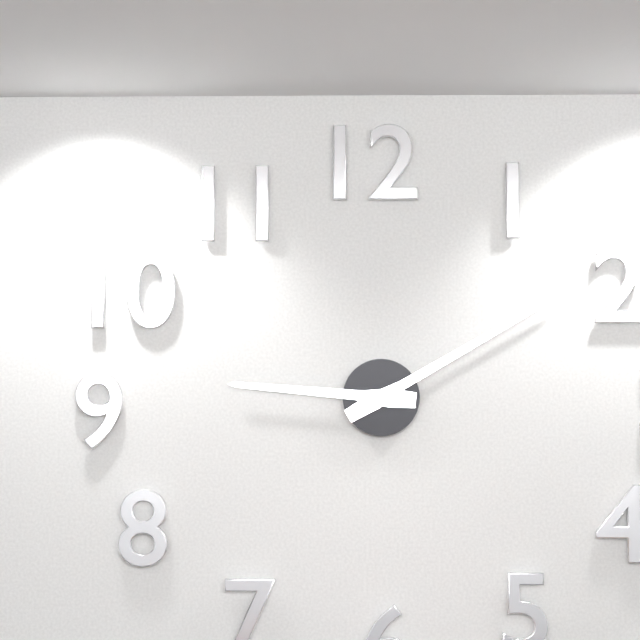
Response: 9:10
